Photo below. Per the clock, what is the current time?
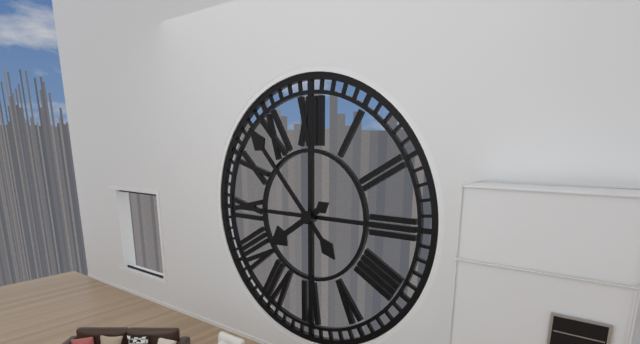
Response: 7:53
